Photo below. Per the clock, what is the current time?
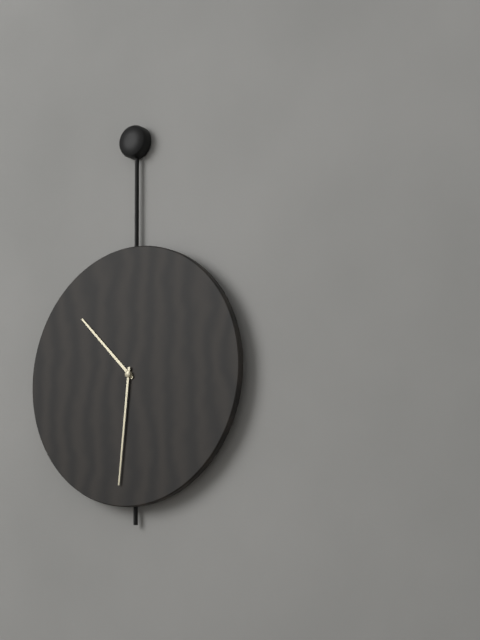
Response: 10:31
